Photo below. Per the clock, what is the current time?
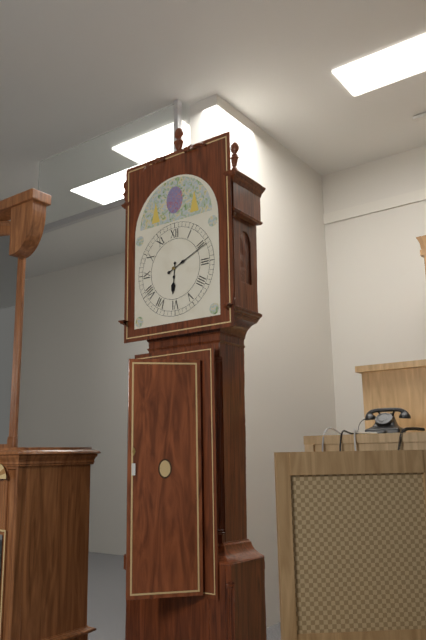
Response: 6:11
